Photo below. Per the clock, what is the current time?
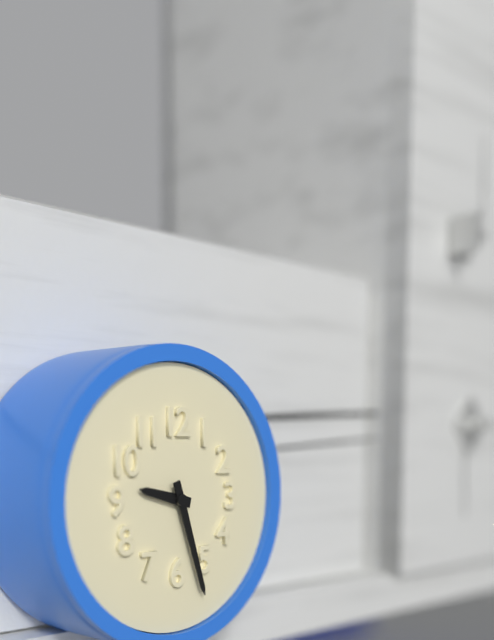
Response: 9:27
